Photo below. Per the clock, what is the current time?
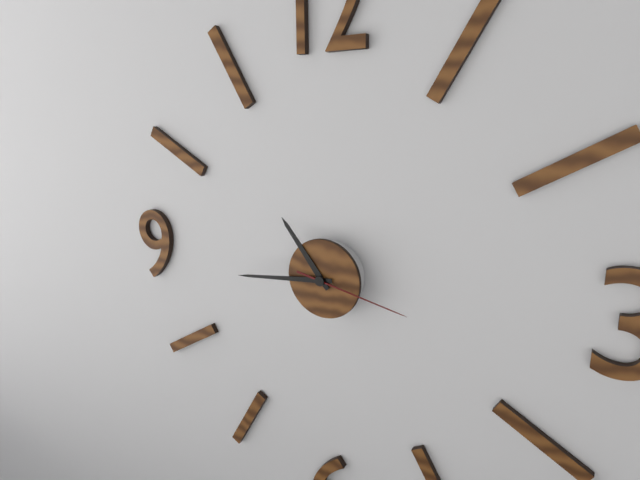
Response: 10:44:17
